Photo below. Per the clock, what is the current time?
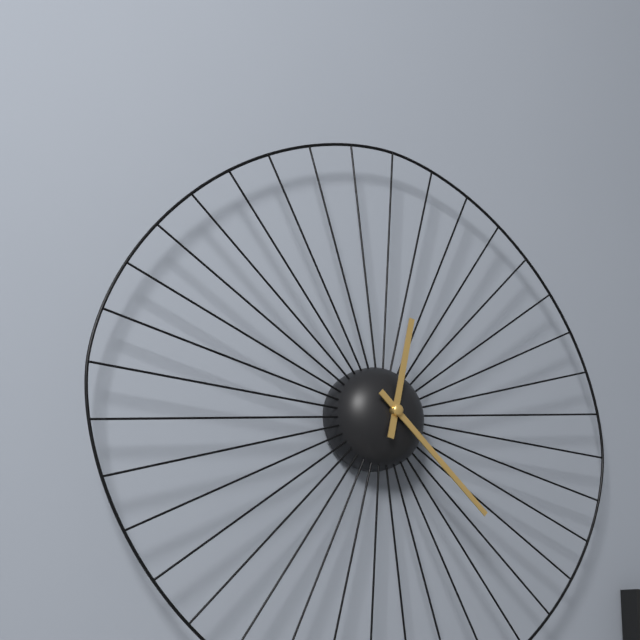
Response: 12:22
